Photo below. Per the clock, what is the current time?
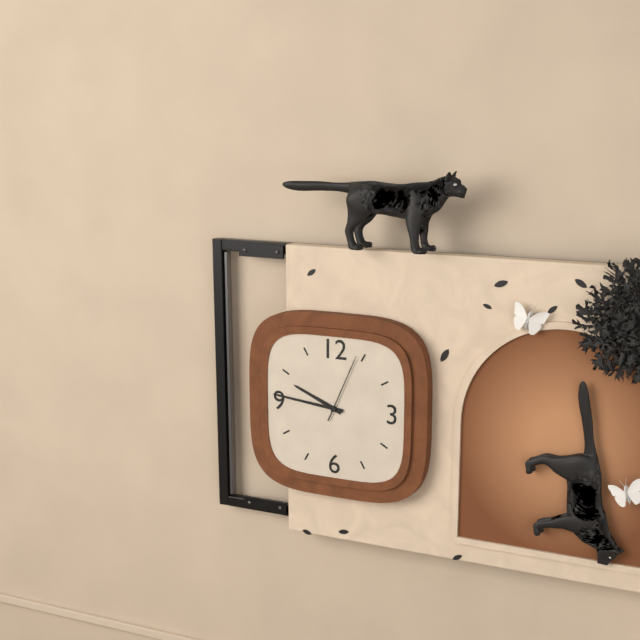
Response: 9:46:04
